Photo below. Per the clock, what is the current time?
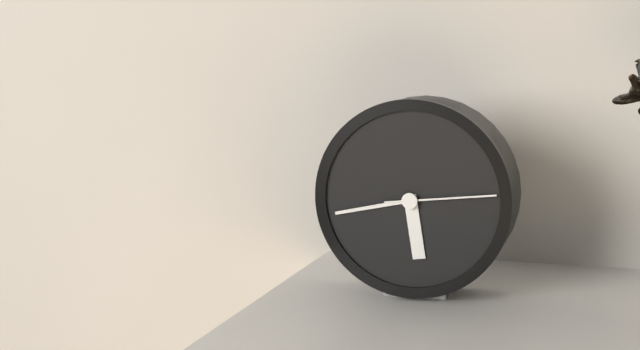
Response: 5:43:14
